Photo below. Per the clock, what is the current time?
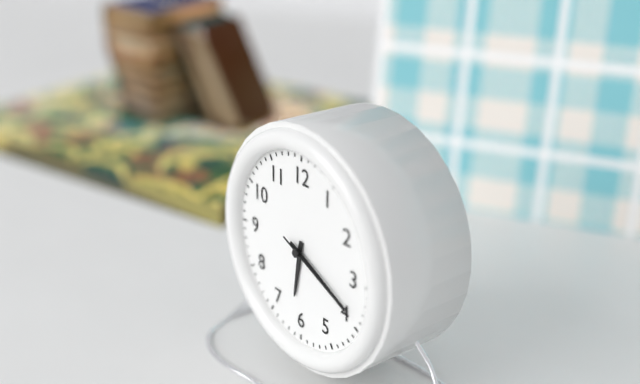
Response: 6:19:19
